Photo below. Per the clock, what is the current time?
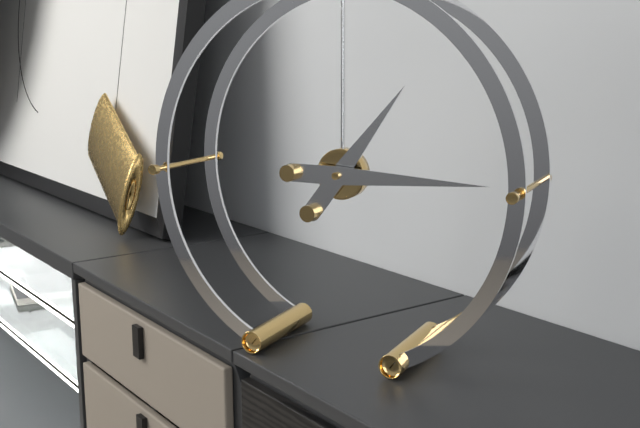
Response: 1:15
